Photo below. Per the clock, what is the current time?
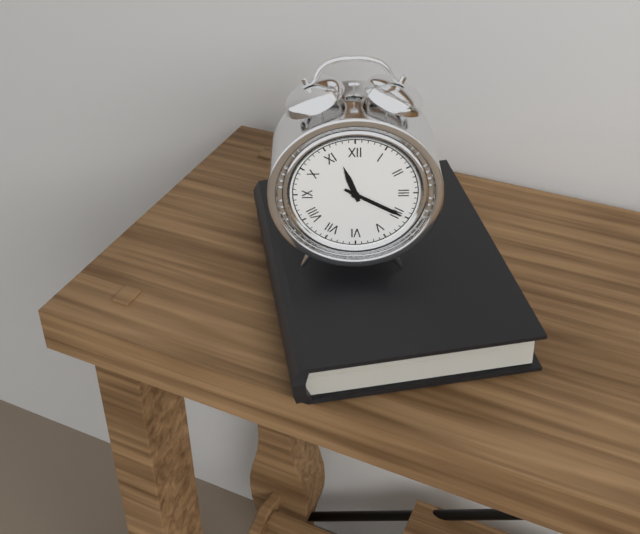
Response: 11:20
